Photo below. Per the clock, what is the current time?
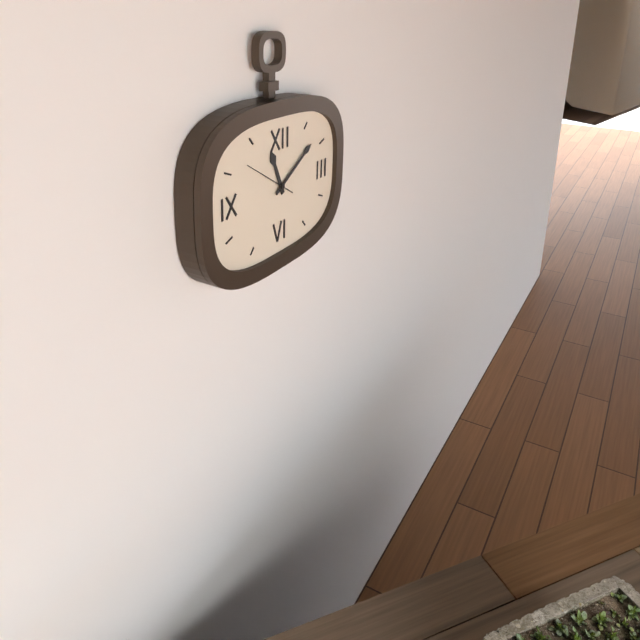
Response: 11:10
